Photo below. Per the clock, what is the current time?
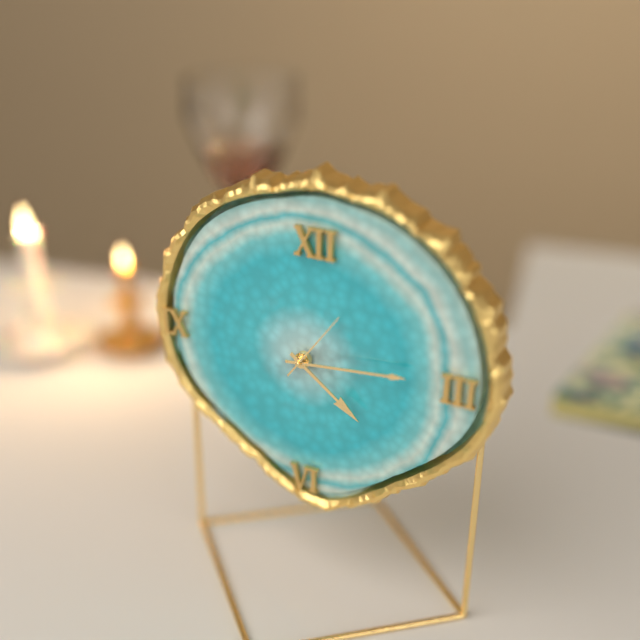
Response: 4:14:06
